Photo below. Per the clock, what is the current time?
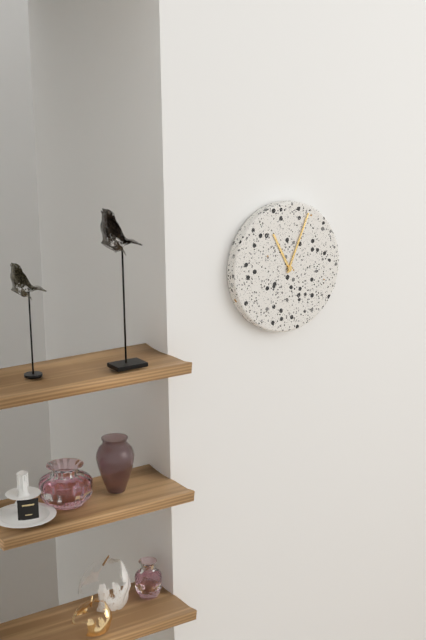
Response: 11:04
